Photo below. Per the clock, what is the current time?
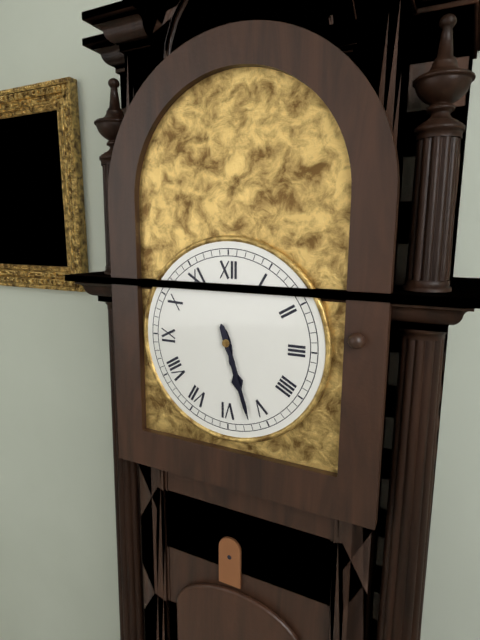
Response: 5:27
